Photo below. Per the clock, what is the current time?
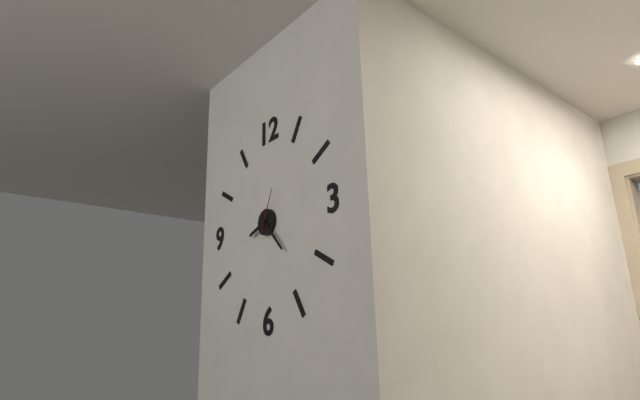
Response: 8:23
